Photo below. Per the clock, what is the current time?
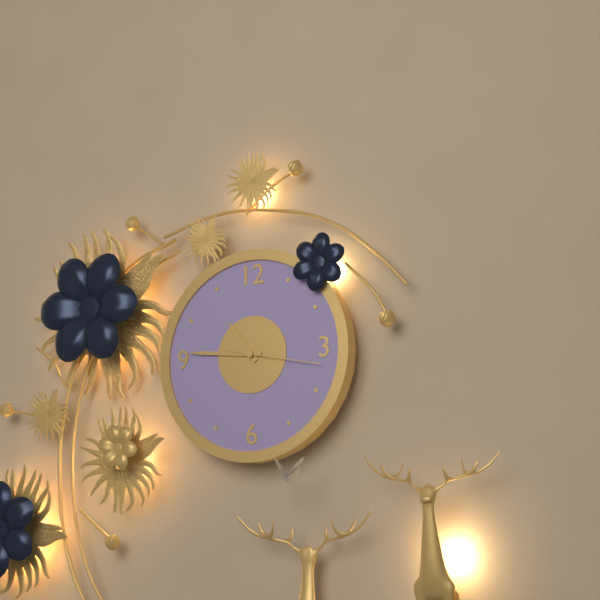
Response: 10:46:17
